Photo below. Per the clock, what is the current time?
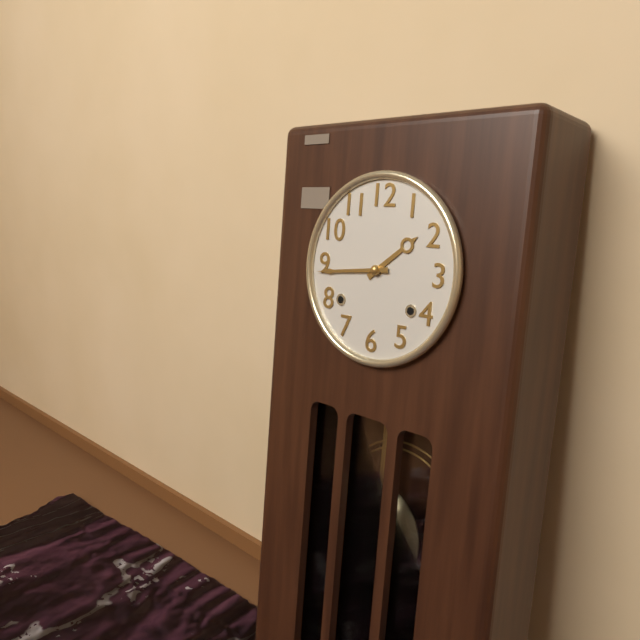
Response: 1:44
